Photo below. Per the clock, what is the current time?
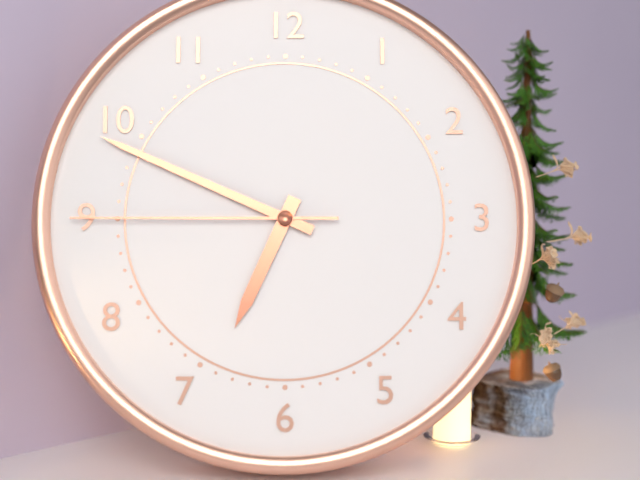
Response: 6:49:45
